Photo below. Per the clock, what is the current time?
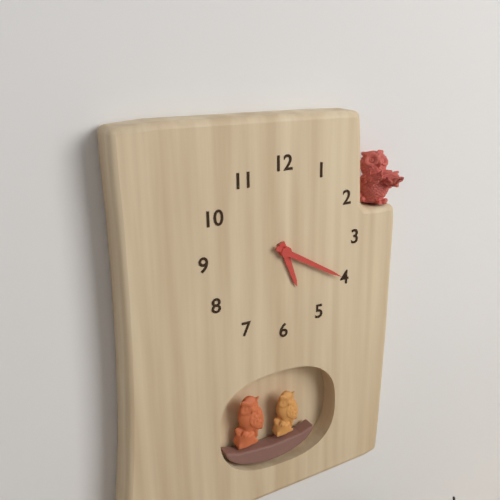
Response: 5:20
